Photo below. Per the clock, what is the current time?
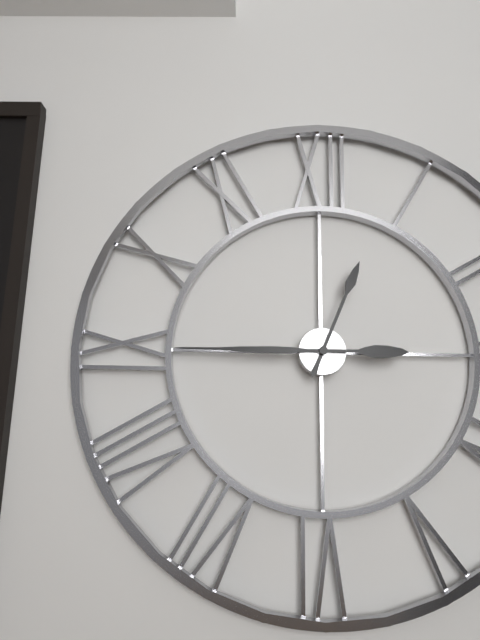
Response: 12:45
